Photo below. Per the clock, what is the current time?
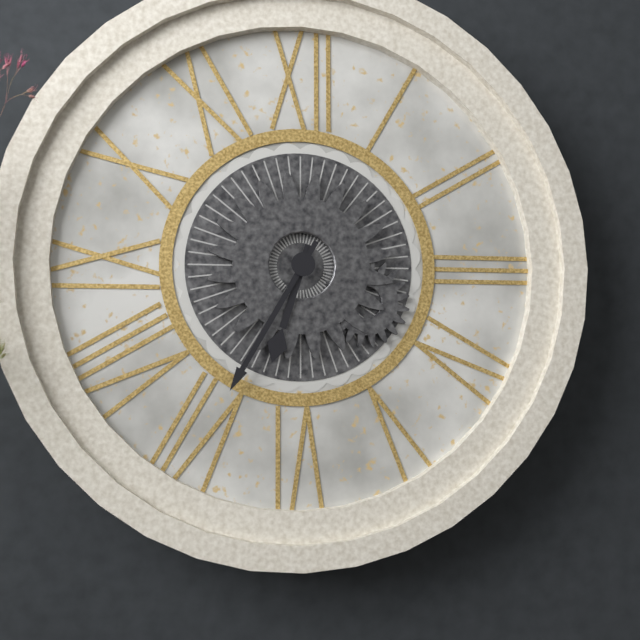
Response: 6:35
